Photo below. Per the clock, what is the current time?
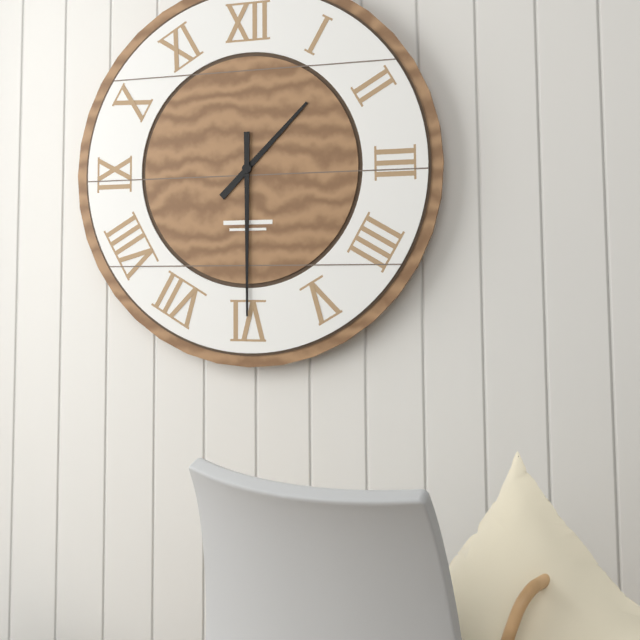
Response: 1:30
